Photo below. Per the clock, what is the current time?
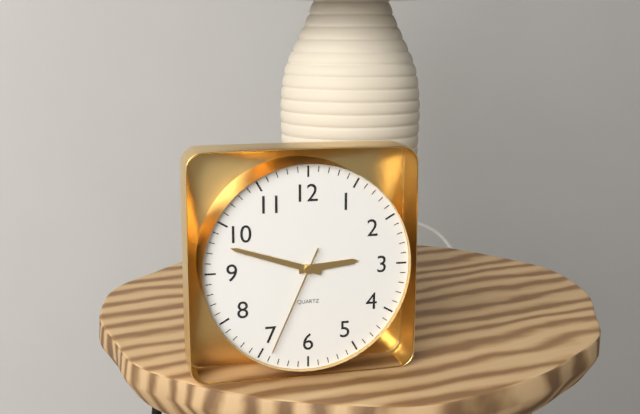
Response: 2:48:34
